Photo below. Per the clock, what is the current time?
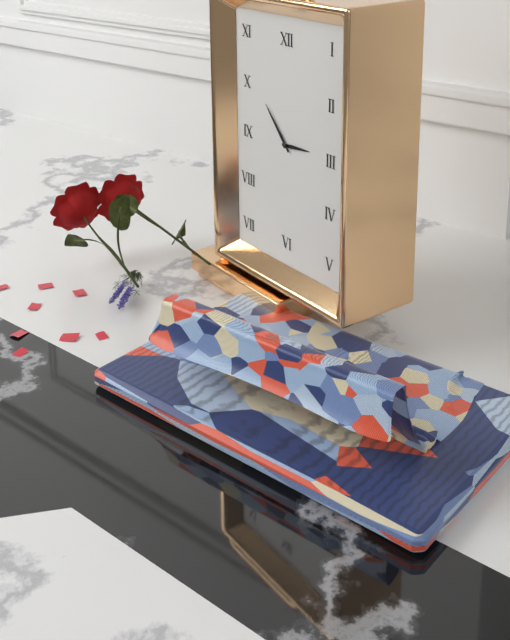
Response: 2:53
